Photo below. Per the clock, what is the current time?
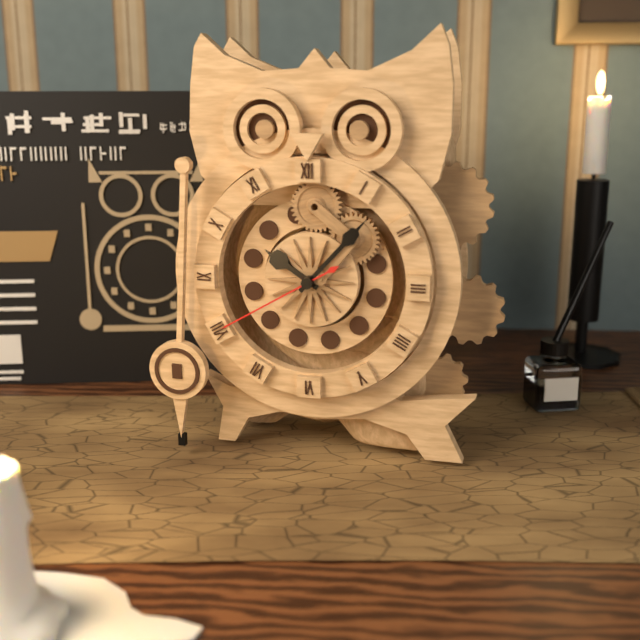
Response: 10:07:40
